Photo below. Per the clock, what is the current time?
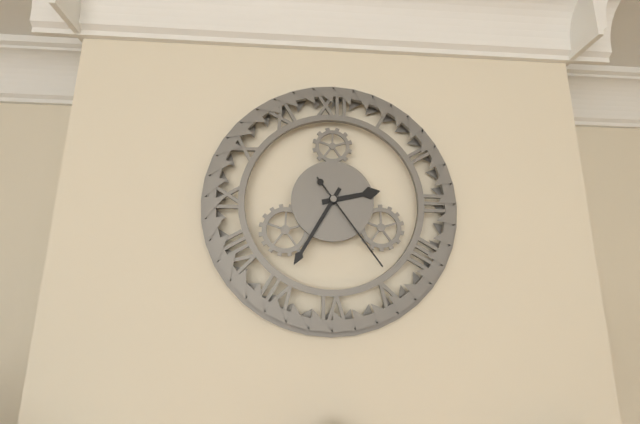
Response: 2:35:24
